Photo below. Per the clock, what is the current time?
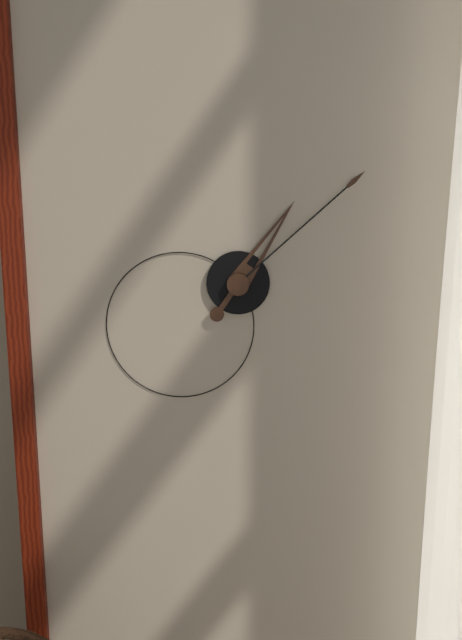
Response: 1:08
